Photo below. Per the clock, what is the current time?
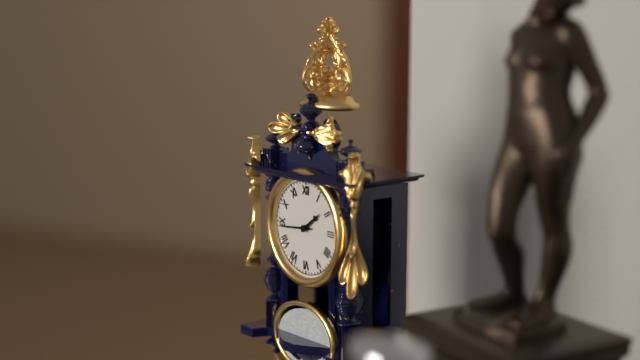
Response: 1:44
